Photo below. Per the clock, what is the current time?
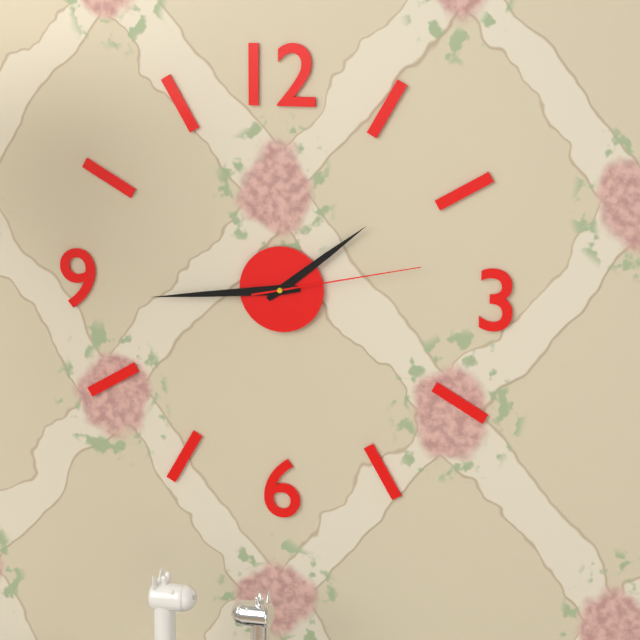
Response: 1:44:13
